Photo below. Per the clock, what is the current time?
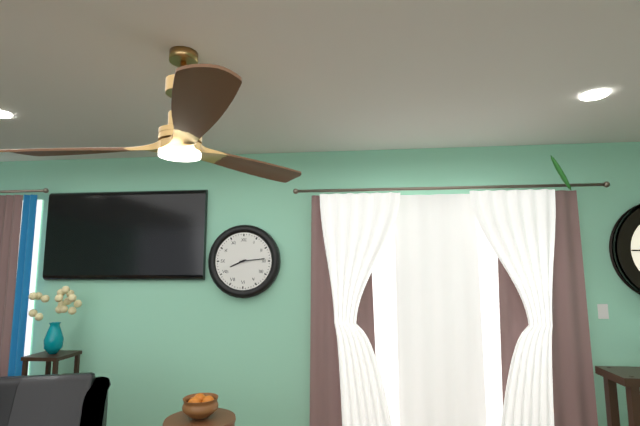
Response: 8:14
